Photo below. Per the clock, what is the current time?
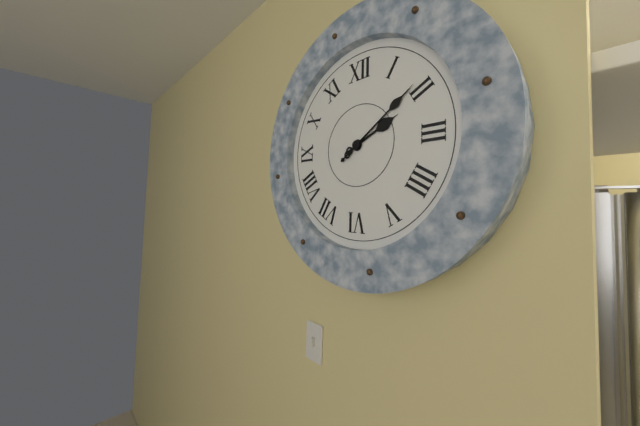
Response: 2:09
